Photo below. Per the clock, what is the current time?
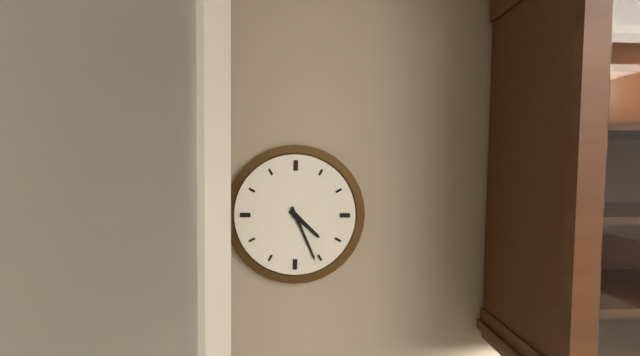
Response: 4:26
